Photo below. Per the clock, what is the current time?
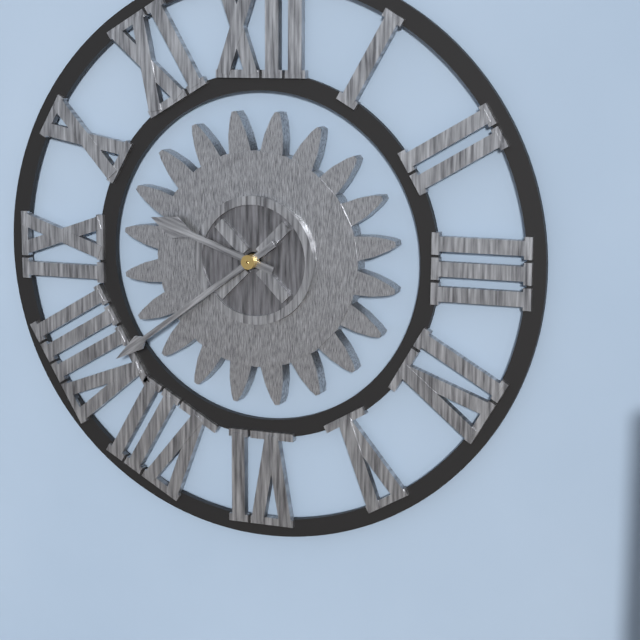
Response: 9:39
